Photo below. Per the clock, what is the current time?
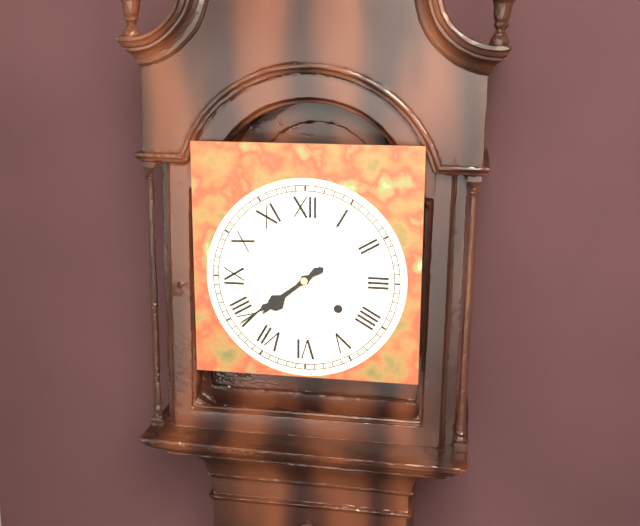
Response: 7:39
